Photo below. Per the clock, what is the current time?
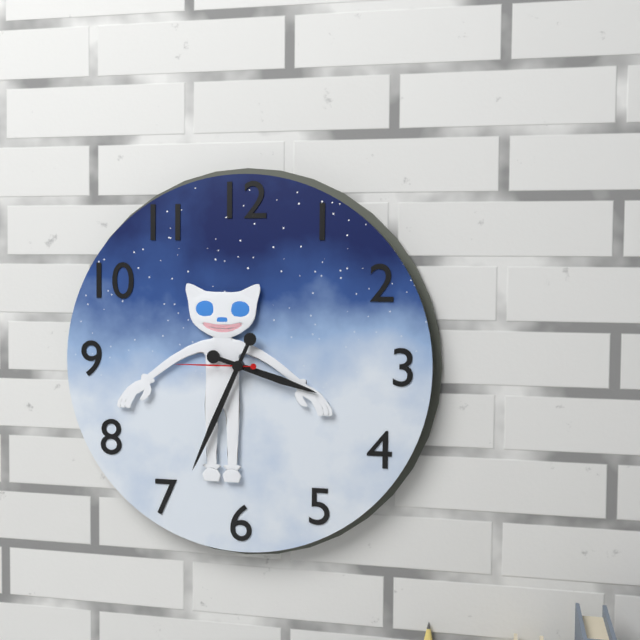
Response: 3:34:45
